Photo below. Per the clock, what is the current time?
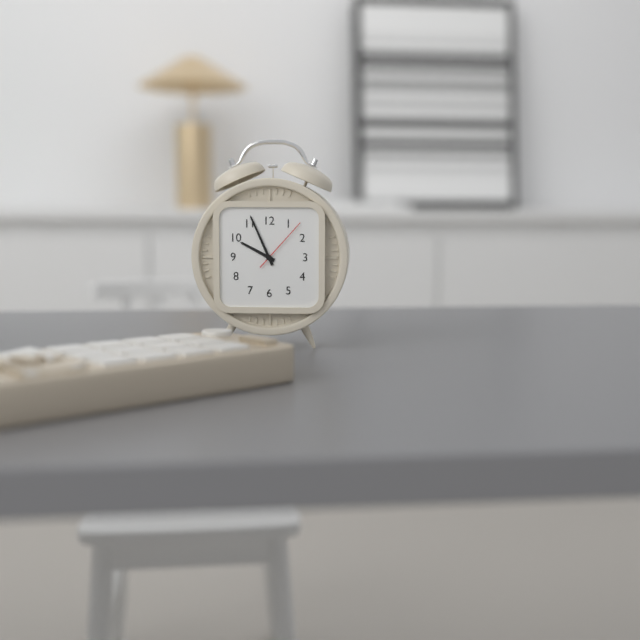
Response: 9:56:07
